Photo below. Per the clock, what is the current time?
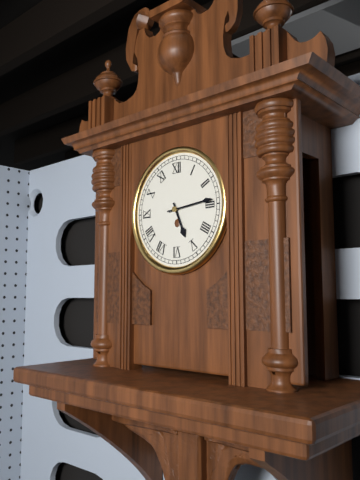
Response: 5:14
